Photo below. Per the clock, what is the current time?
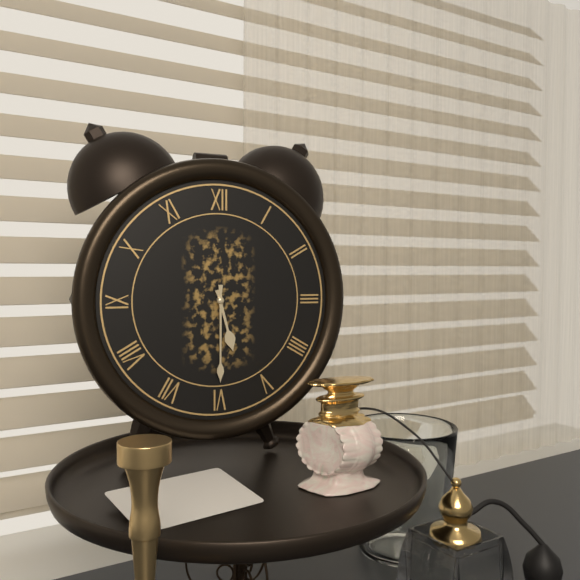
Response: 5:30
